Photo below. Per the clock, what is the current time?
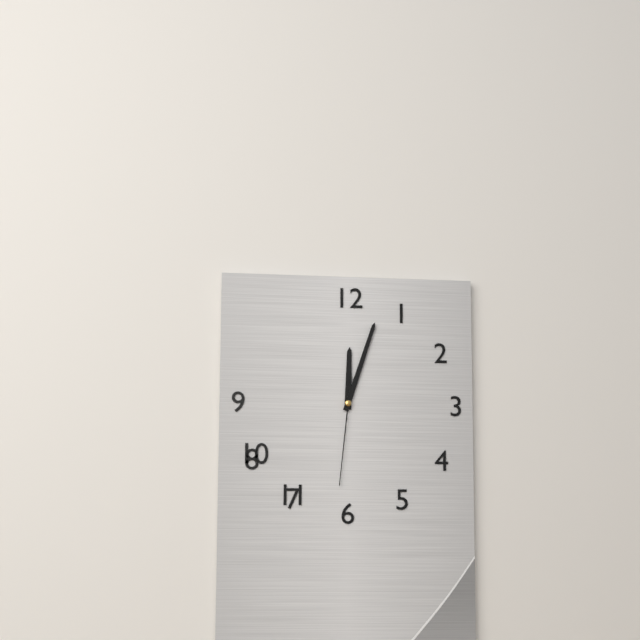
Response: 12:03:31
